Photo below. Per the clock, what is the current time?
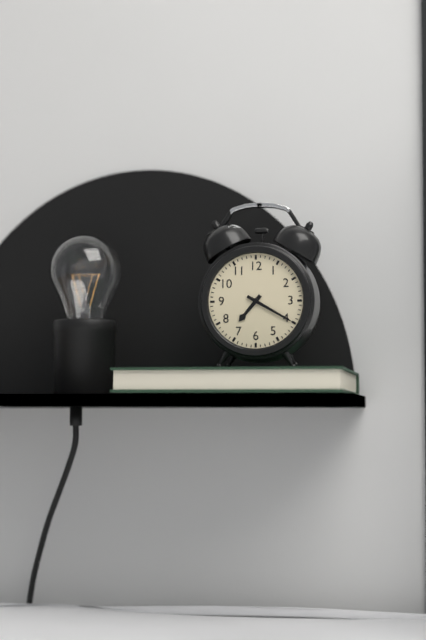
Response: 7:20
